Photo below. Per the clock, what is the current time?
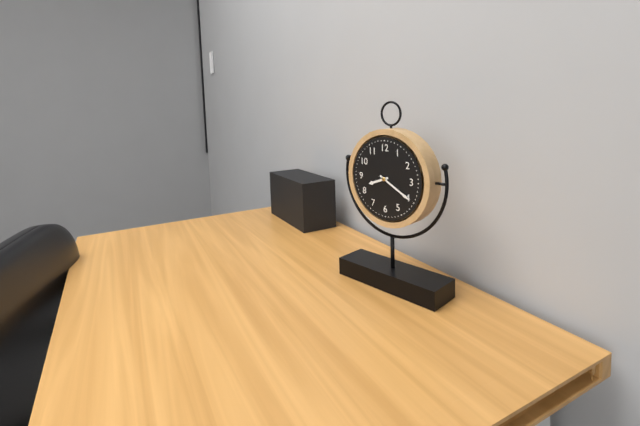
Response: 8:20
